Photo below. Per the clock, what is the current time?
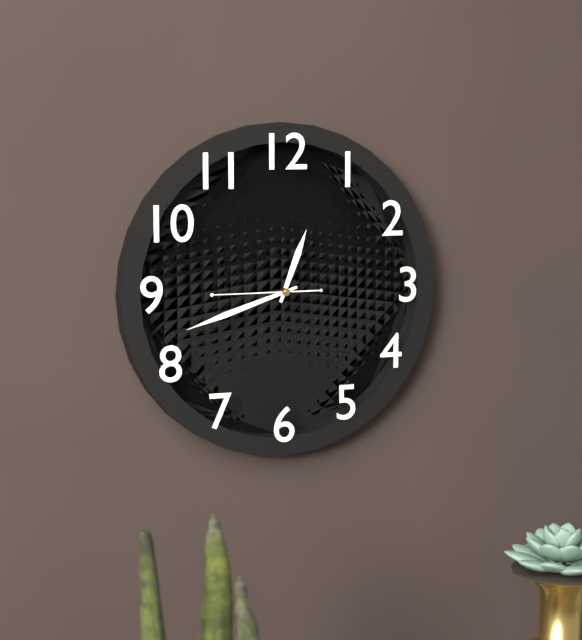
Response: 12:42:45
